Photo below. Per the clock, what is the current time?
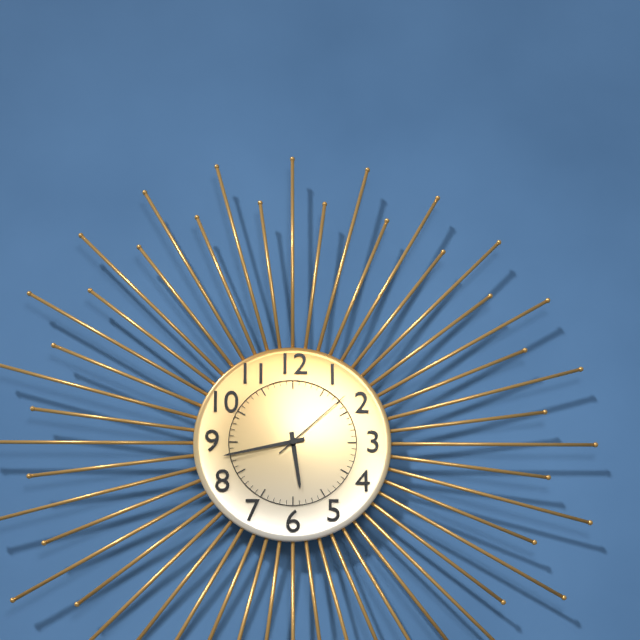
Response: 5:43:08
